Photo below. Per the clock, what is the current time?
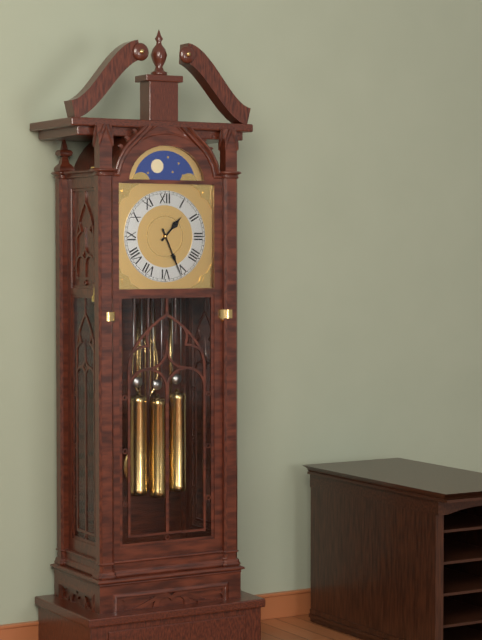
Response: 1:26
